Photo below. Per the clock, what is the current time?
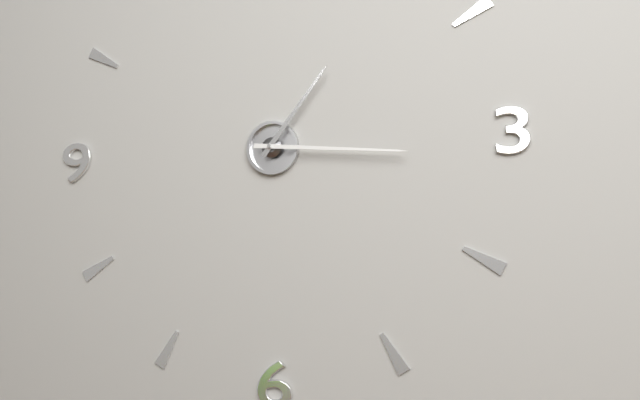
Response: 1:16
